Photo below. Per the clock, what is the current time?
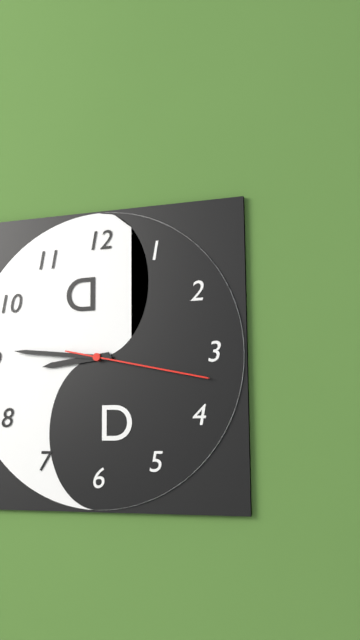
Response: 8:46:17
